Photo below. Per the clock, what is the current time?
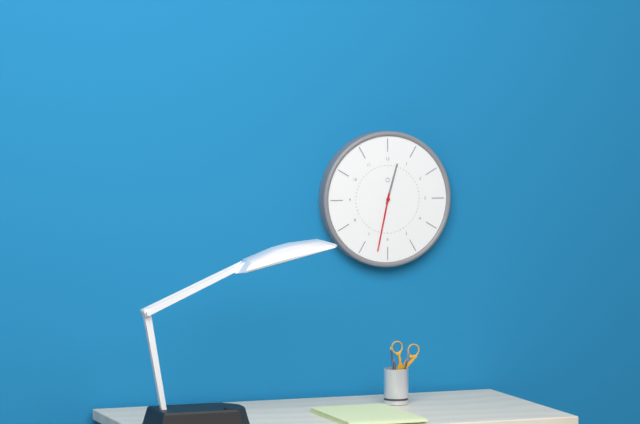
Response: 12:32
